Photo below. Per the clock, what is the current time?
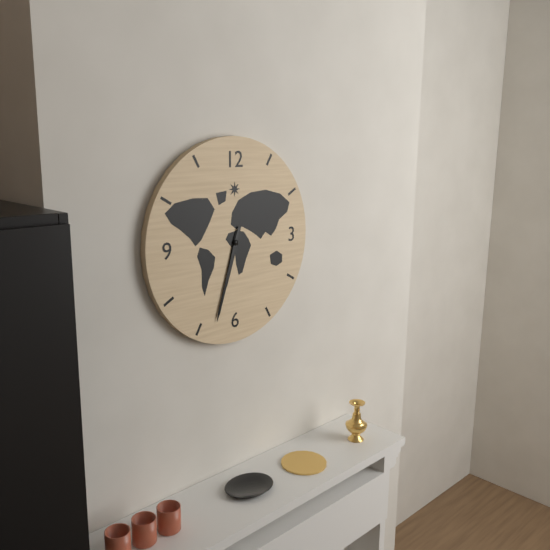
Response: 6:33
